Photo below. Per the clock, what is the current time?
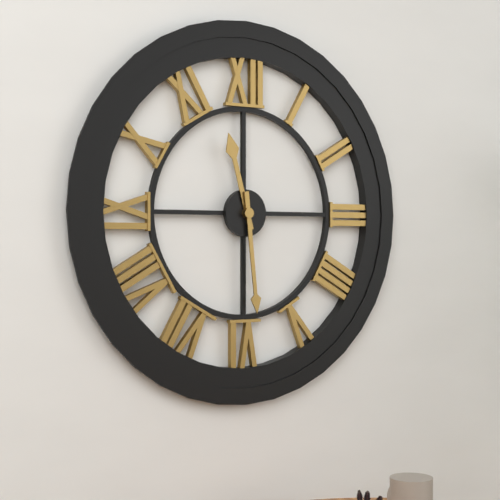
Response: 11:29
